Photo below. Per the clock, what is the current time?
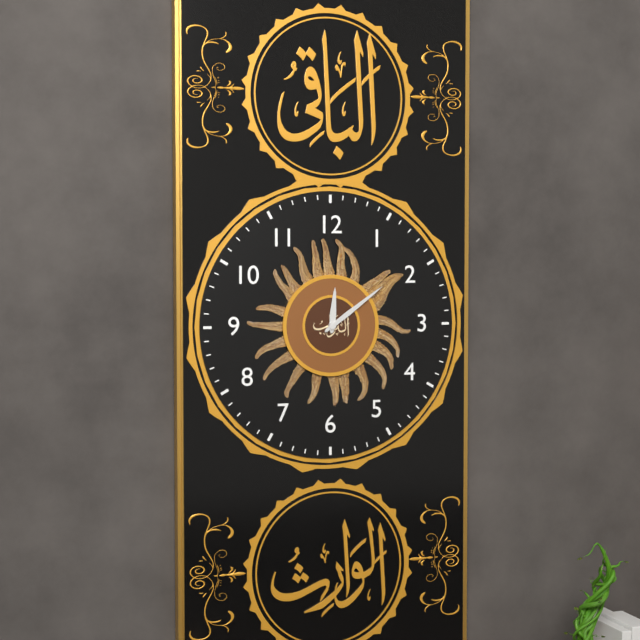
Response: 12:09
